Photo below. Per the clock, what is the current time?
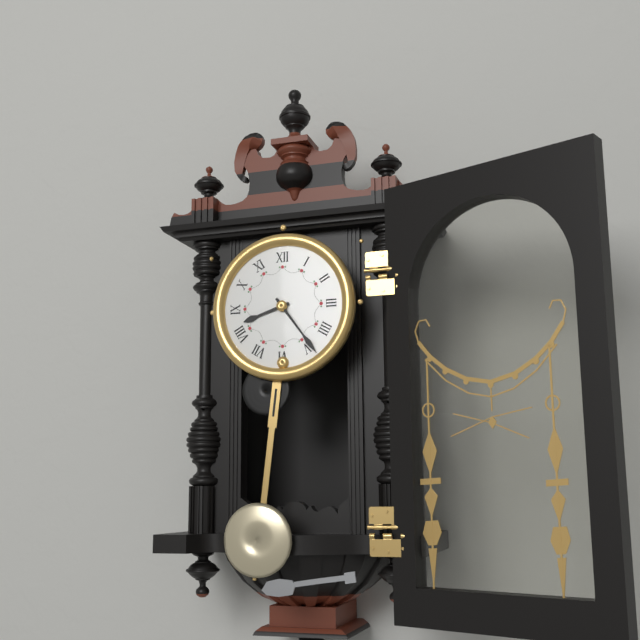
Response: 8:24
